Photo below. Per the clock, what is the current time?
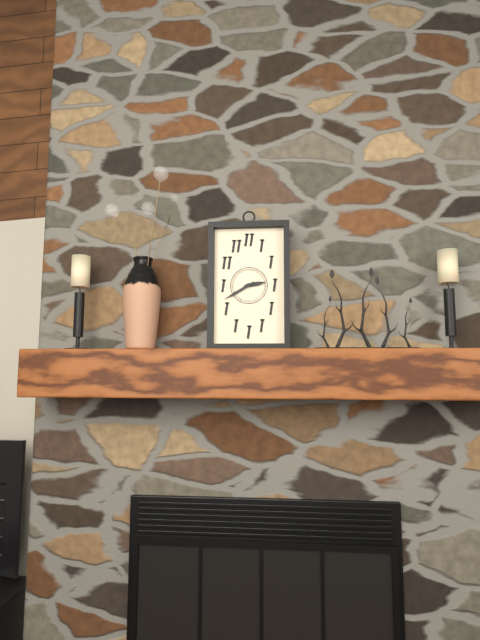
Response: 2:40
